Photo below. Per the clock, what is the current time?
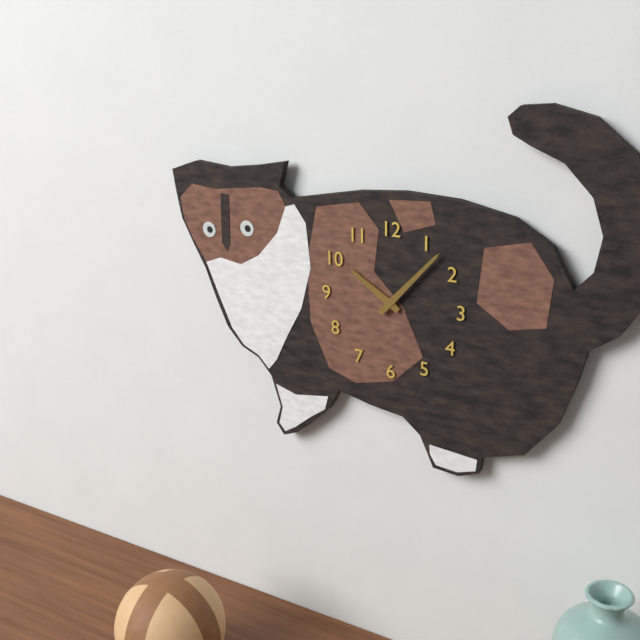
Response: 10:07
